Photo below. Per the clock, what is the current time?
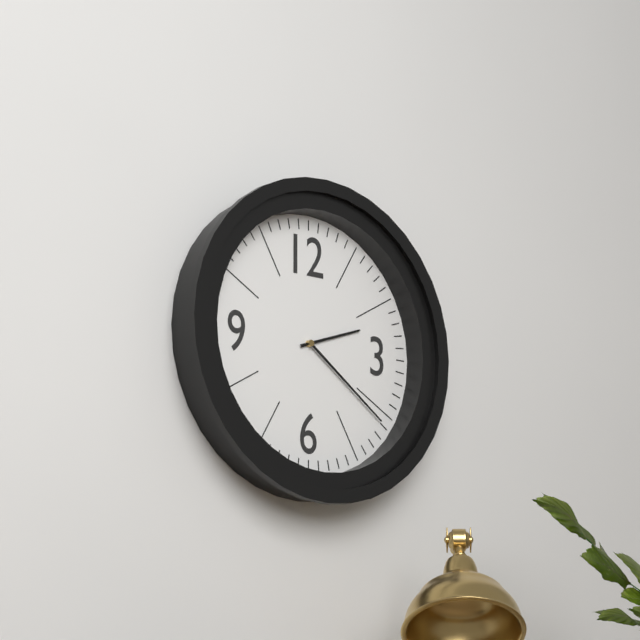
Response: 2:21
